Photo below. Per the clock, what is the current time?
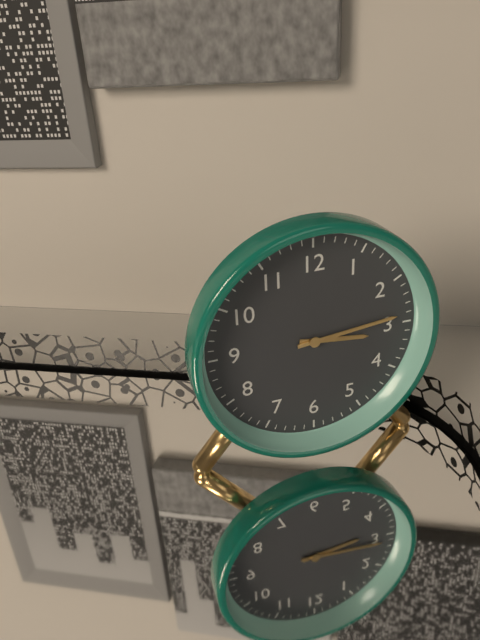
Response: 3:14
